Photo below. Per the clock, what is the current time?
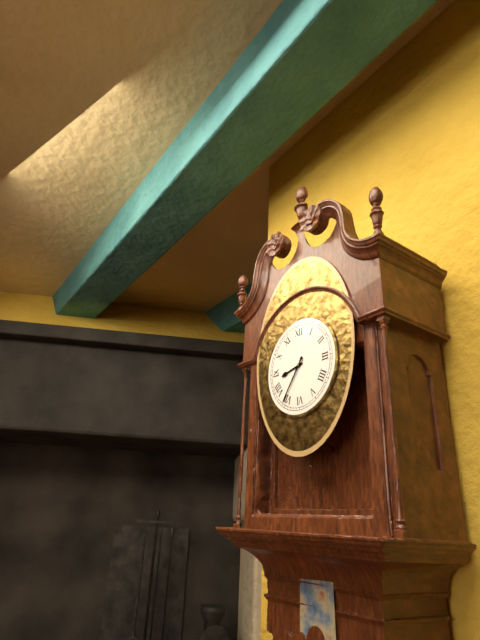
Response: 8:36
